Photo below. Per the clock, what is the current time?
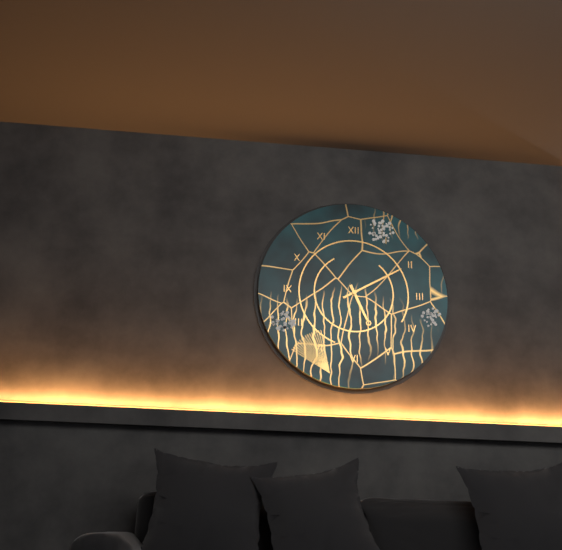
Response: 5:10
